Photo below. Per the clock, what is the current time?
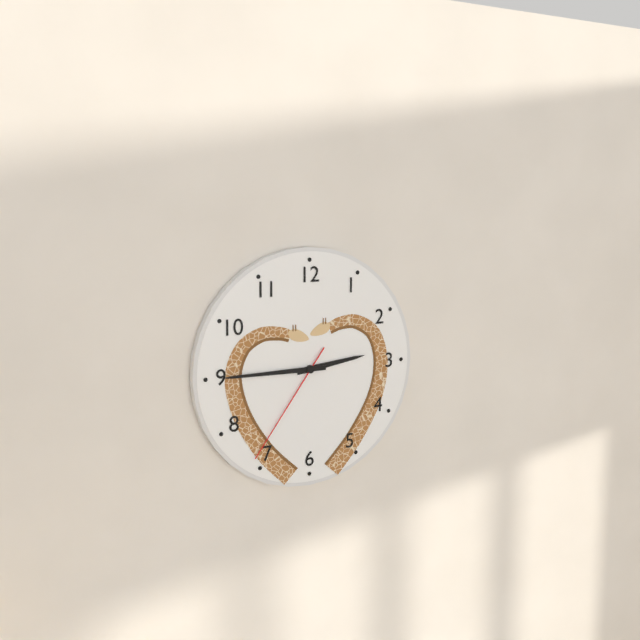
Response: 2:45:36
